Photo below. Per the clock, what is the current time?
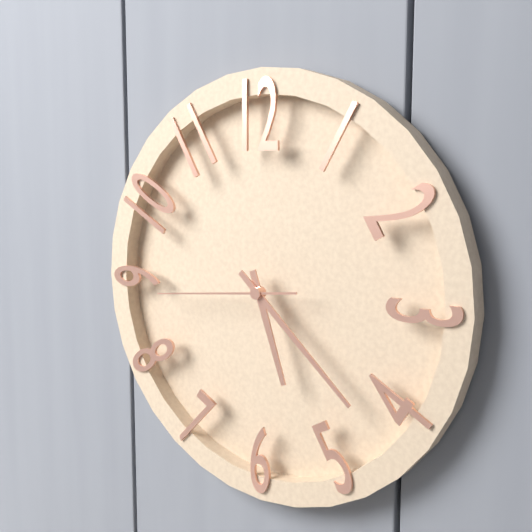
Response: 5:22:44
